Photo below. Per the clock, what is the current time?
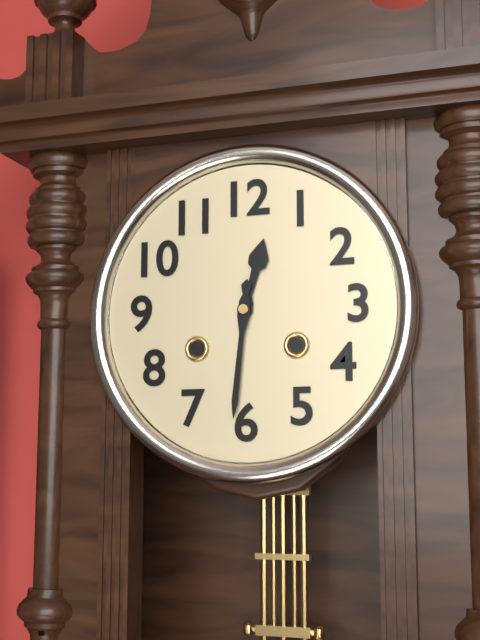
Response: 12:31
